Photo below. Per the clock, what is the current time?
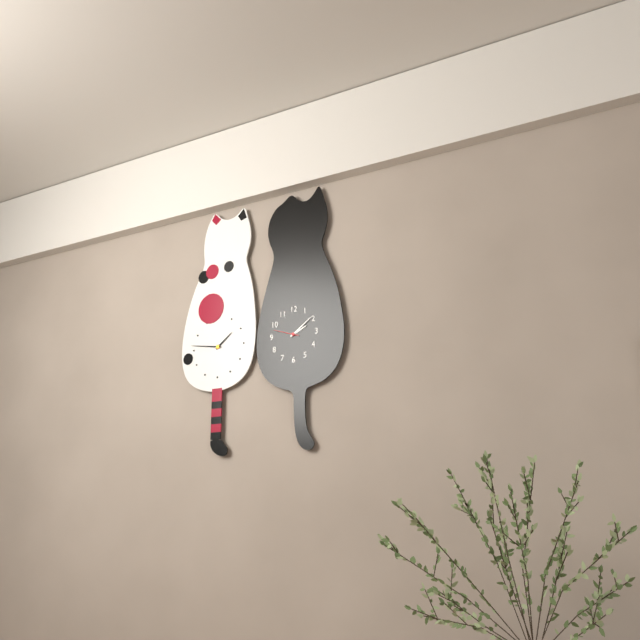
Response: 2:09
